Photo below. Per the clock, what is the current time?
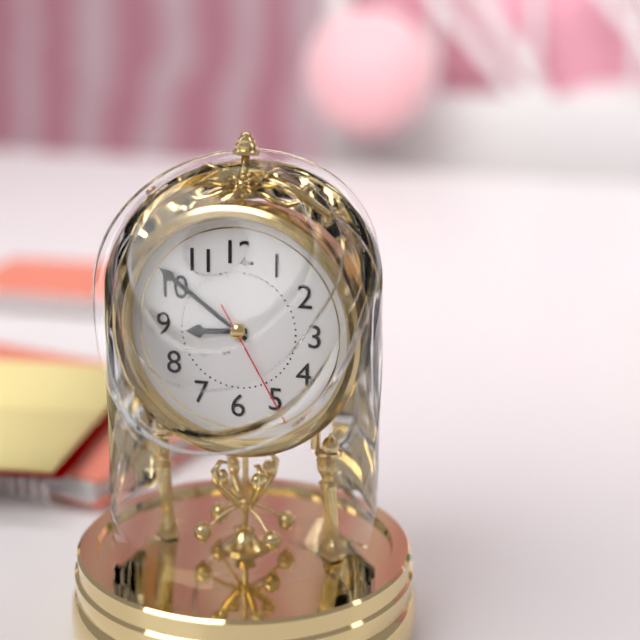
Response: 8:51:25
